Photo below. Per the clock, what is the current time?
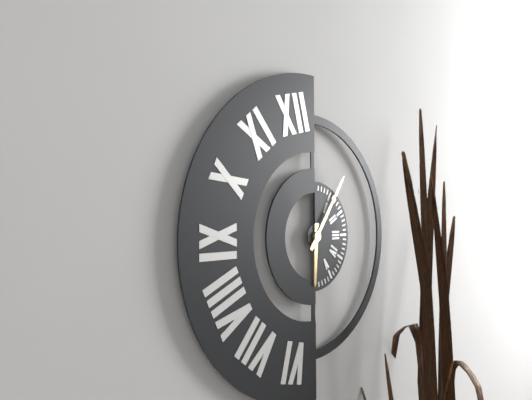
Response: 6:06
